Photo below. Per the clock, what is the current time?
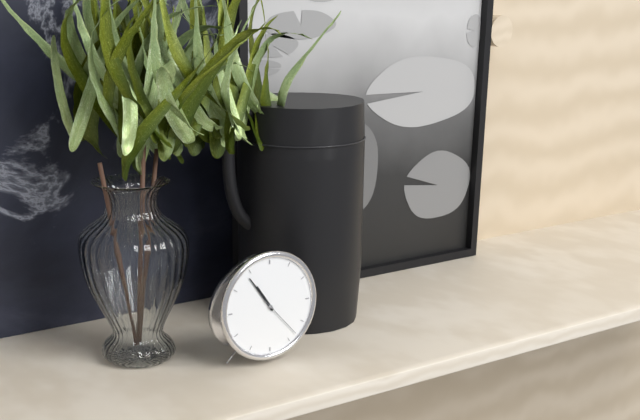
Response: 10:54
